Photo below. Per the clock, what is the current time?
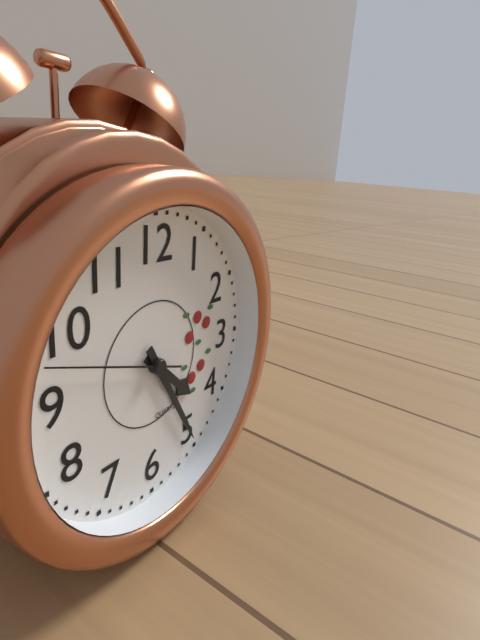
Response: 4:25:48
